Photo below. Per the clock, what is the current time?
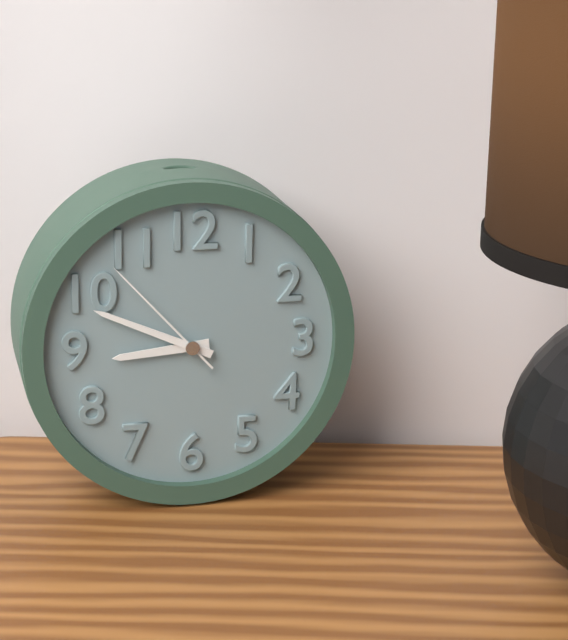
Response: 8:49:53
